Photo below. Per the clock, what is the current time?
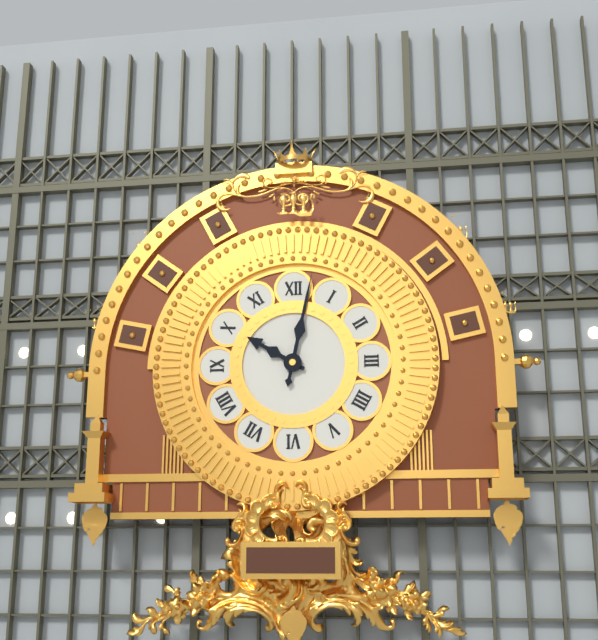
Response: 10:02
